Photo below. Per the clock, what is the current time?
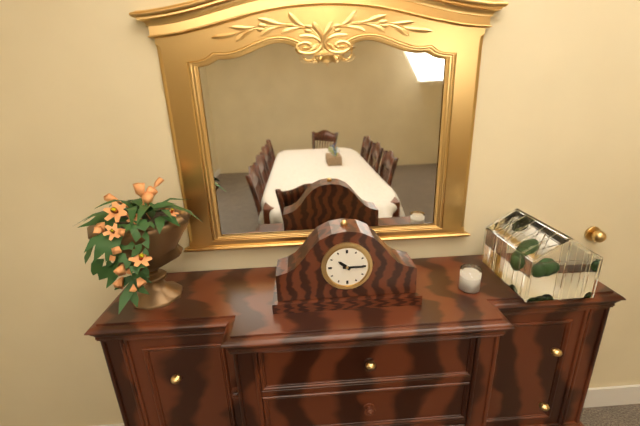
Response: 10:15
